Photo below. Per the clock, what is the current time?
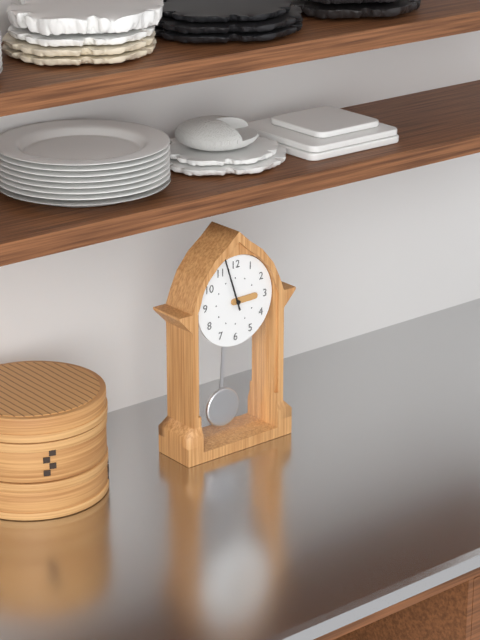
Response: 2:57
